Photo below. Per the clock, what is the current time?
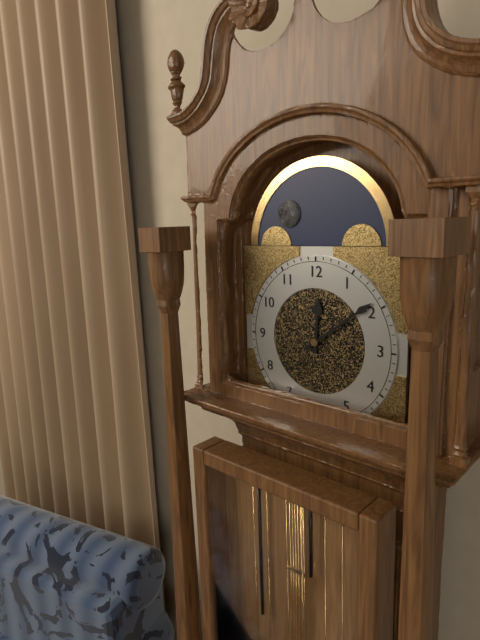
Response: 12:09
